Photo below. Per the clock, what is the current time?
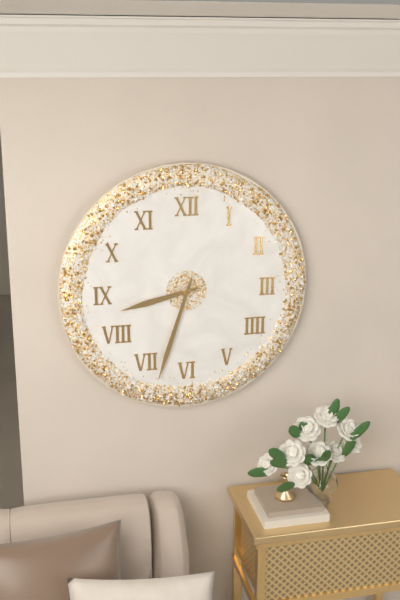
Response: 8:33
